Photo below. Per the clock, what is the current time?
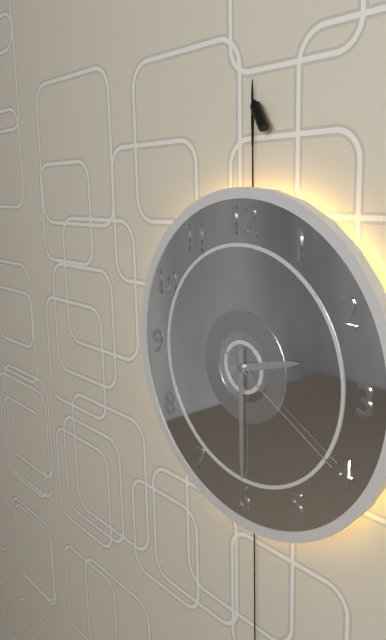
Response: 2:30:20
